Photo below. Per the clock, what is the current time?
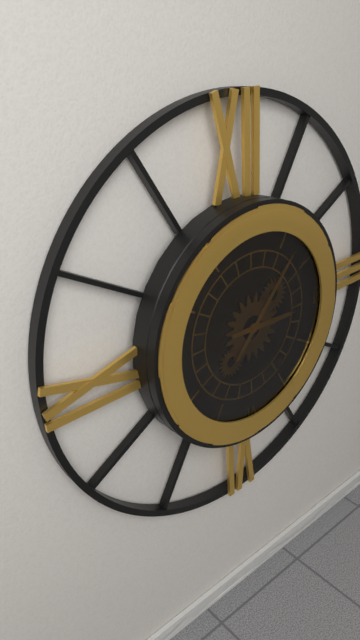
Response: 3:07
